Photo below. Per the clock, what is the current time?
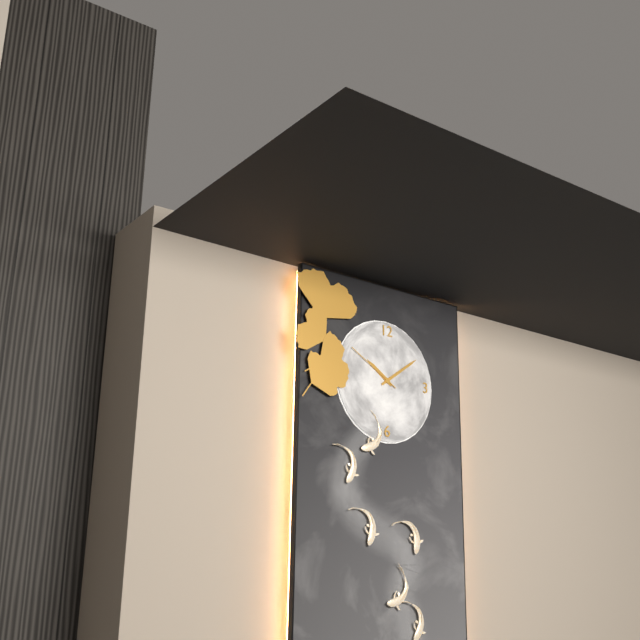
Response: 10:09:50
